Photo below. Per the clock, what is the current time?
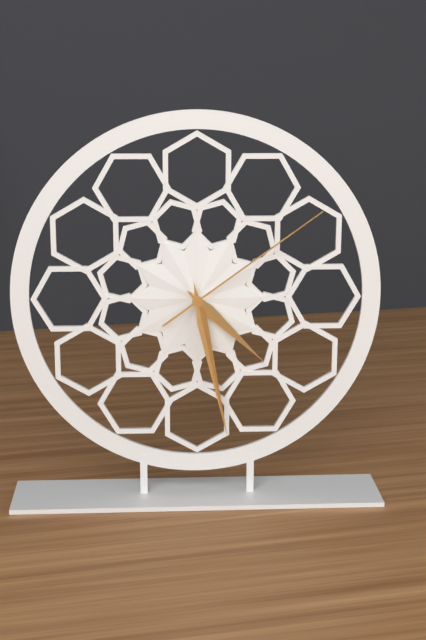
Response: 4:28:09
